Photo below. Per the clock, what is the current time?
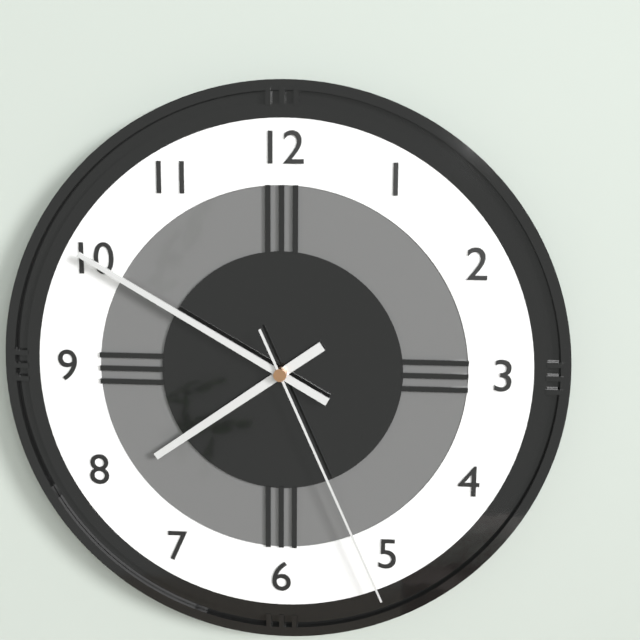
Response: 7:50:26
